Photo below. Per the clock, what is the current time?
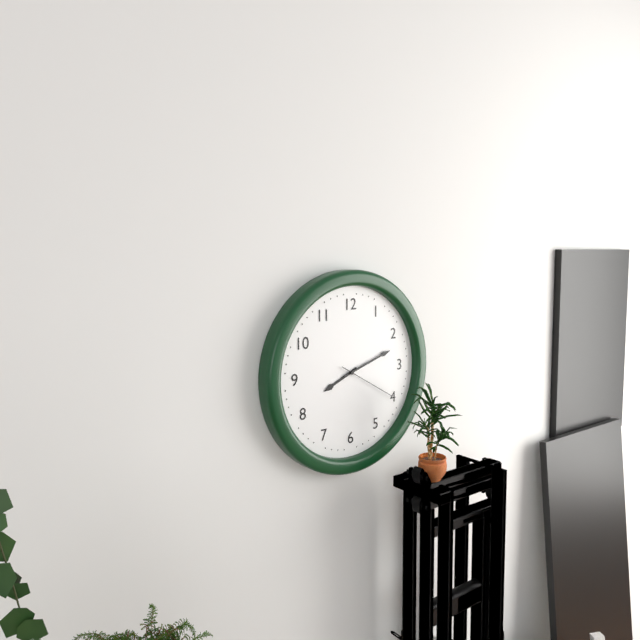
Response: 8:12:20
